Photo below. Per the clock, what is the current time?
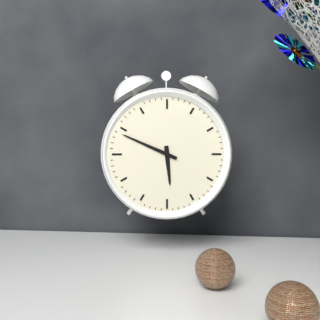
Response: 5:49
